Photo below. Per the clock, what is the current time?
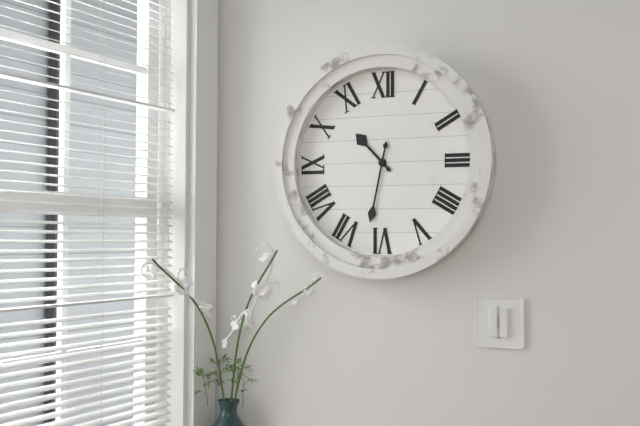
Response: 10:32
